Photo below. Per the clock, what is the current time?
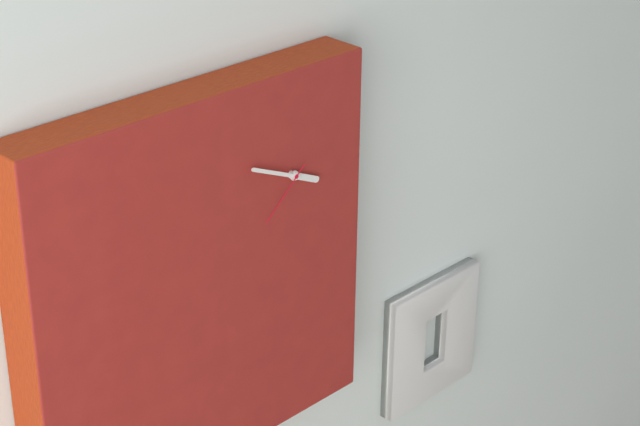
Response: 3:49:38
